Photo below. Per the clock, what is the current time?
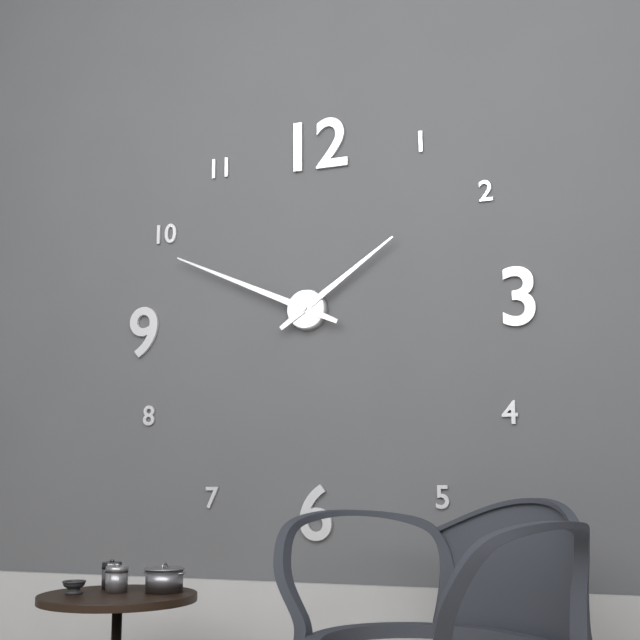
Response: 1:49
